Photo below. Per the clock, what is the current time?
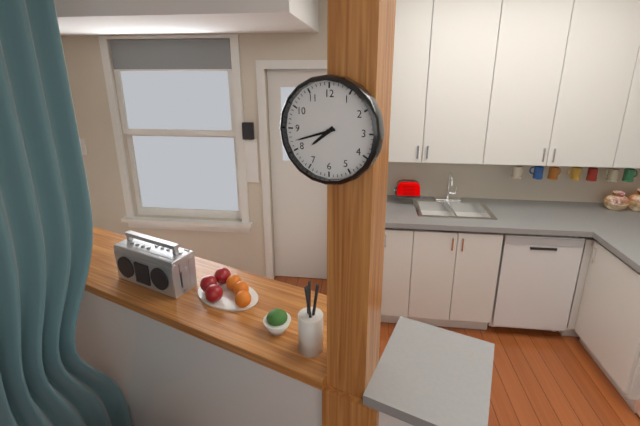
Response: 7:42
